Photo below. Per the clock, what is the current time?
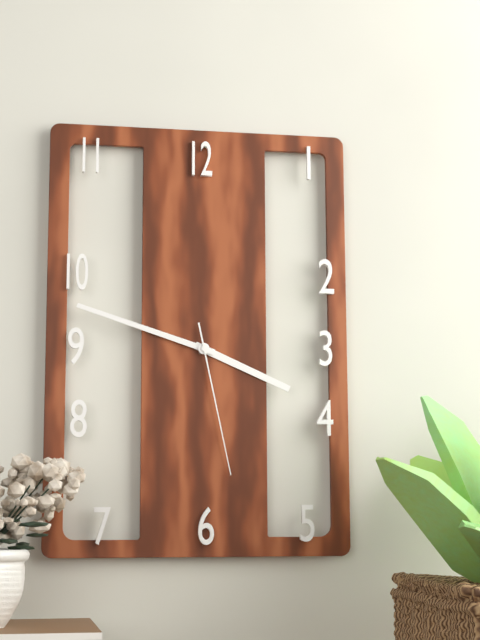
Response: 3:48:28
